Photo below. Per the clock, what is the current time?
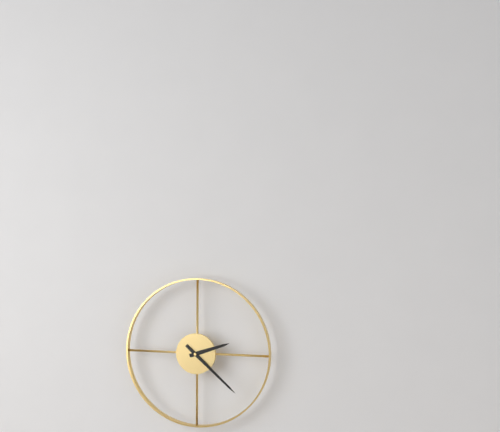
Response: 2:22
